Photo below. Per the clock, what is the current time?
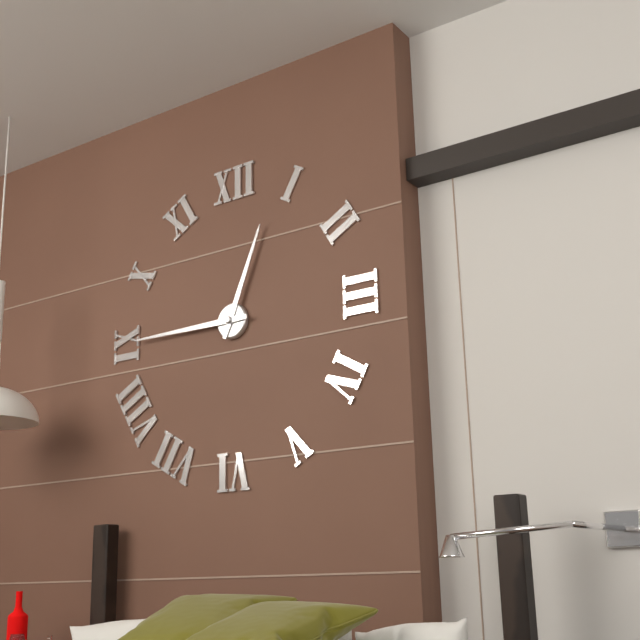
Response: 12:45
